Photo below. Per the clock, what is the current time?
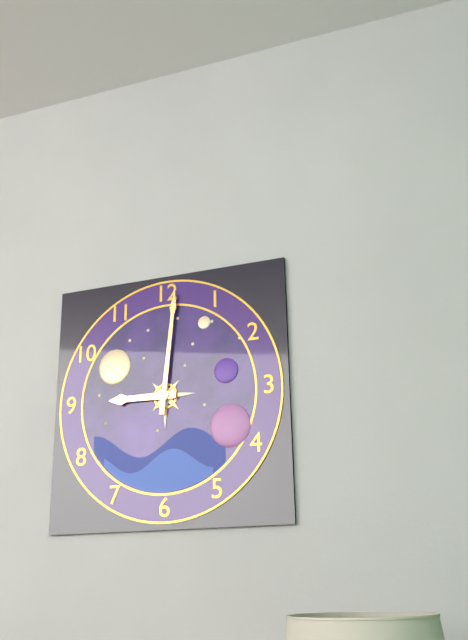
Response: 9:01
